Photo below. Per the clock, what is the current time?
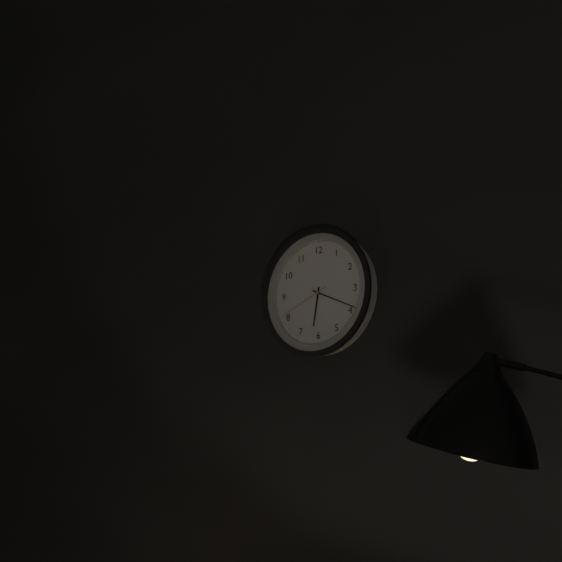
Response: 6:19:41
